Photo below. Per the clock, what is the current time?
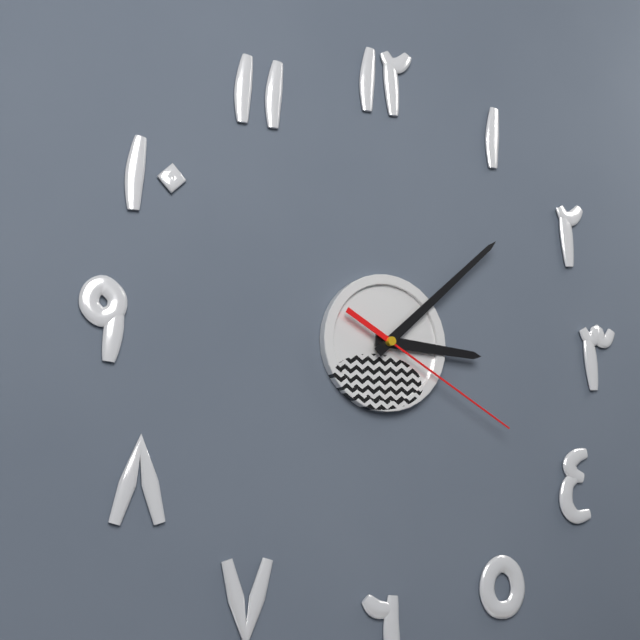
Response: 3:08:20
